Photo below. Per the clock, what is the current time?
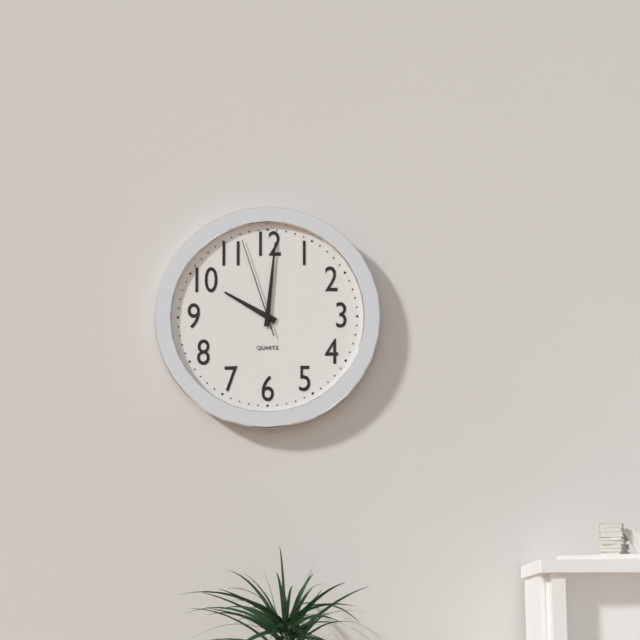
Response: 10:01:57
